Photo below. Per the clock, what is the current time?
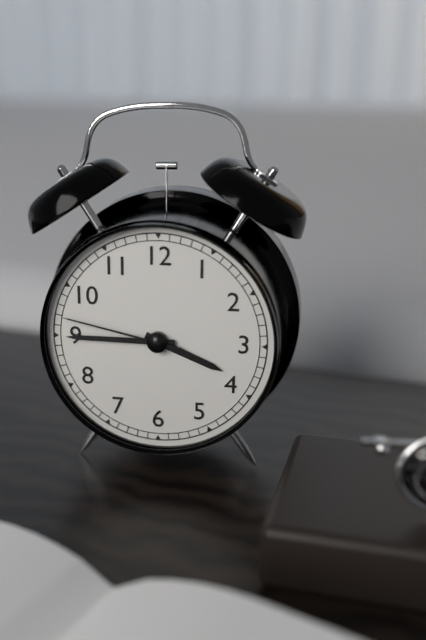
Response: 3:45:47
